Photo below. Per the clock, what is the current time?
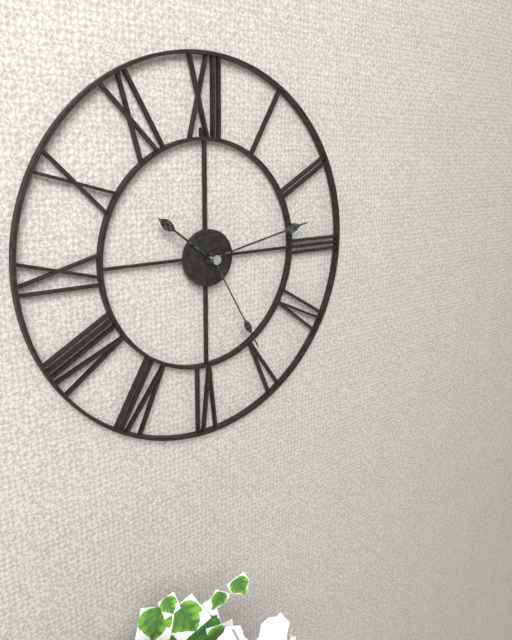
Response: 10:13:25
